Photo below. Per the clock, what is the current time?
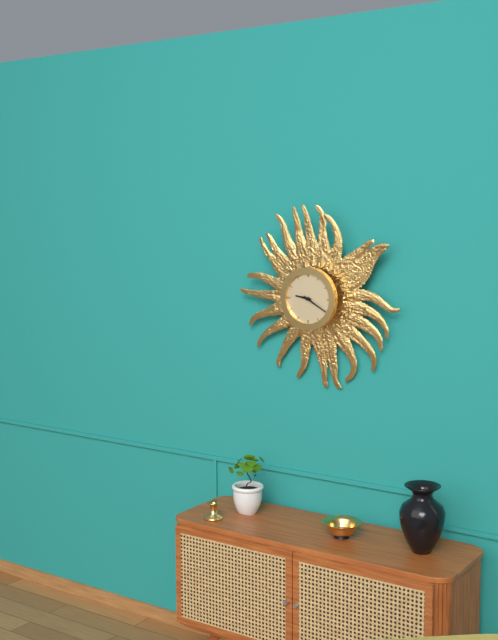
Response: 9:20
